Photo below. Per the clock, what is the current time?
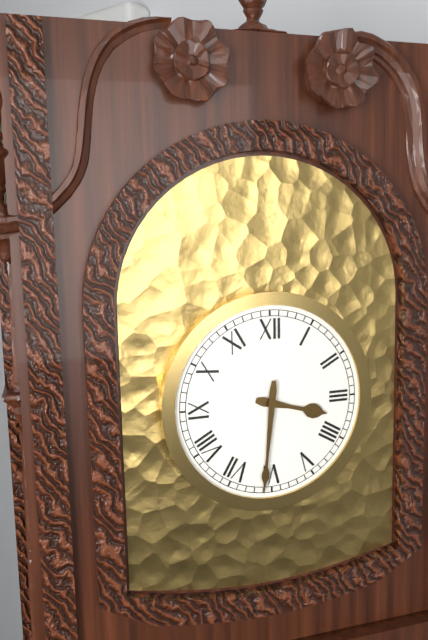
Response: 3:31
